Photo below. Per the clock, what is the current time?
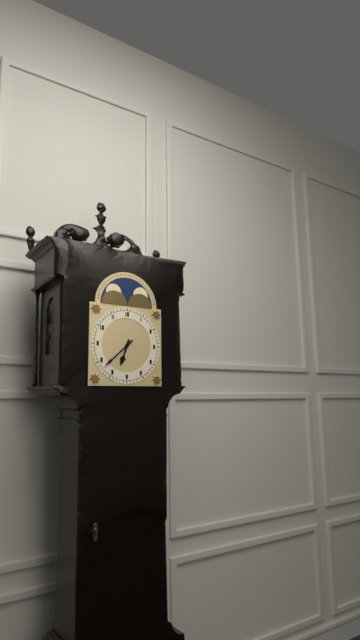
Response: 6:38
